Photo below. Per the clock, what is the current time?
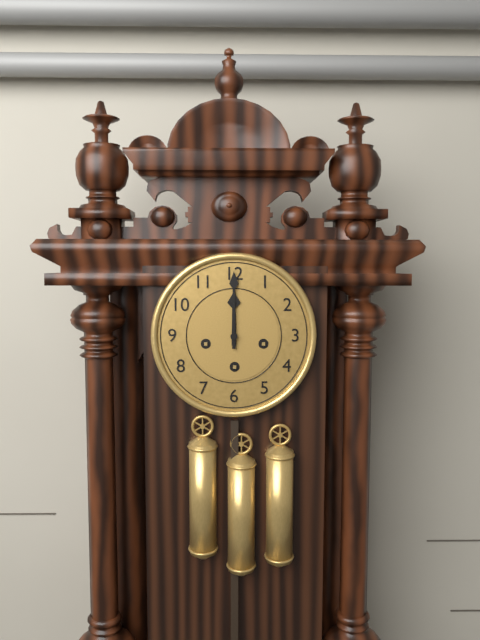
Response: 12:00
